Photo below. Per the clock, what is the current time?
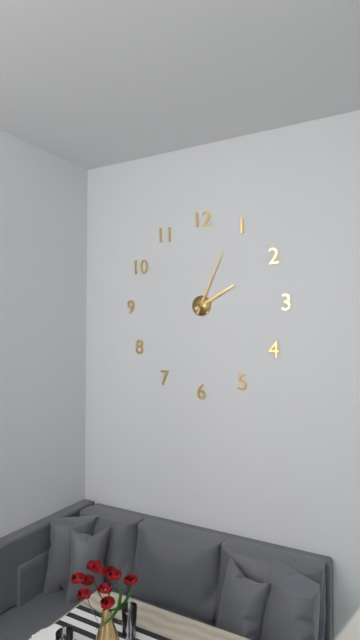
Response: 2:04
